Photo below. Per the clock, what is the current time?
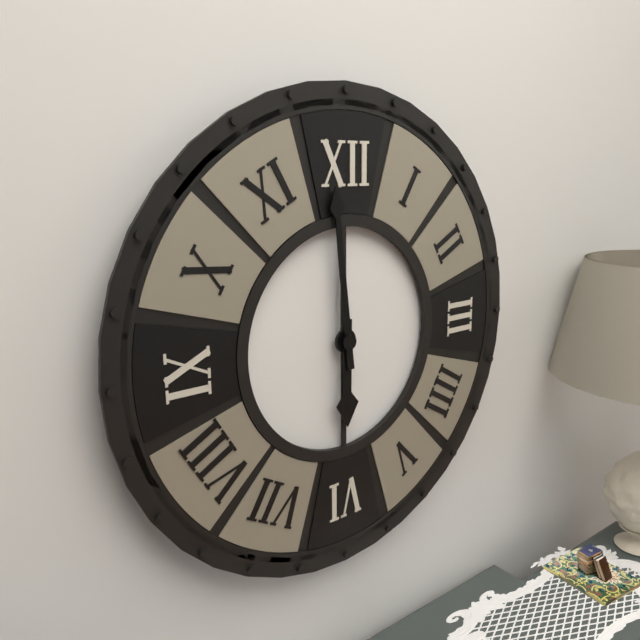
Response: 5:59
